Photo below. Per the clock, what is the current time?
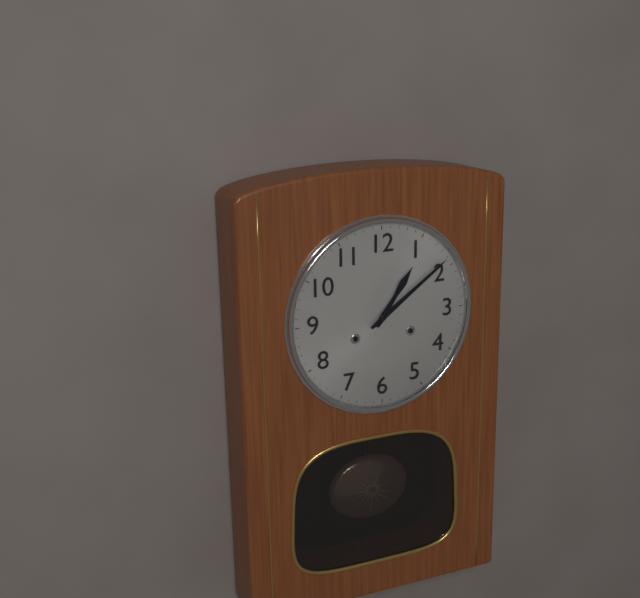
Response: 1:09
